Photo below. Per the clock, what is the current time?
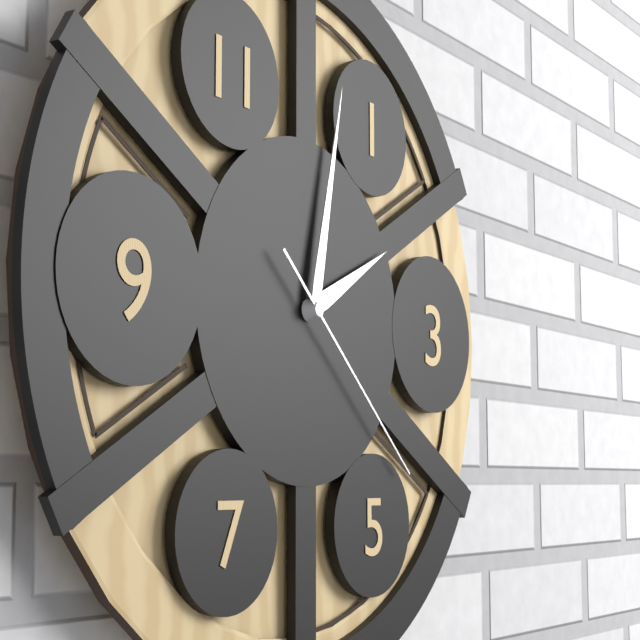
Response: 2:02:22
